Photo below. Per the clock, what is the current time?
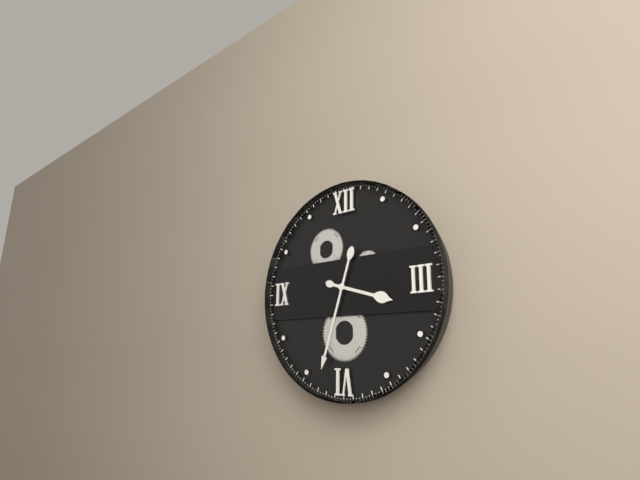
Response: 3:33
